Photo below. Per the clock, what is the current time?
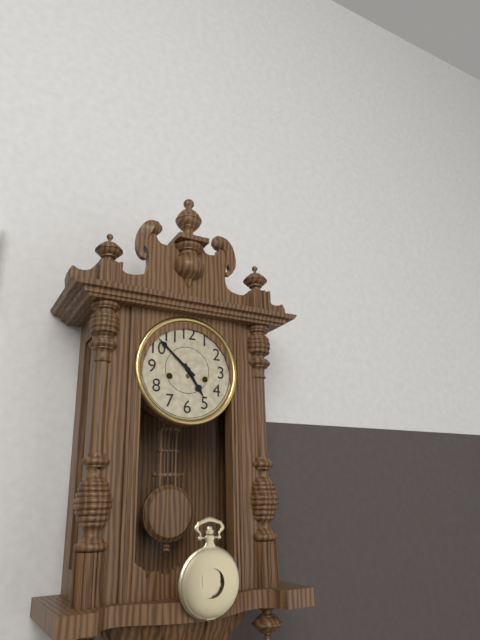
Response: 4:52
